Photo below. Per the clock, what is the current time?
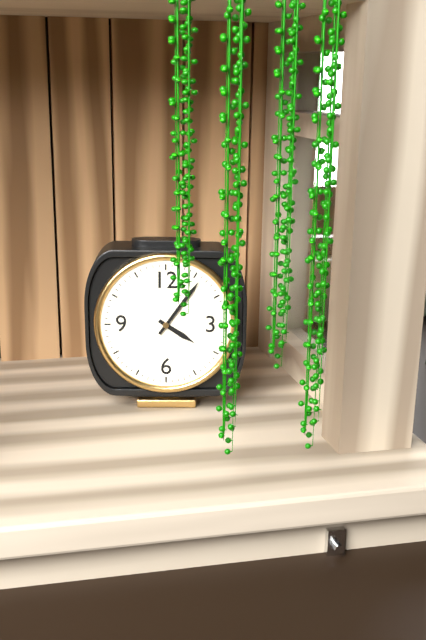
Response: 4:06
